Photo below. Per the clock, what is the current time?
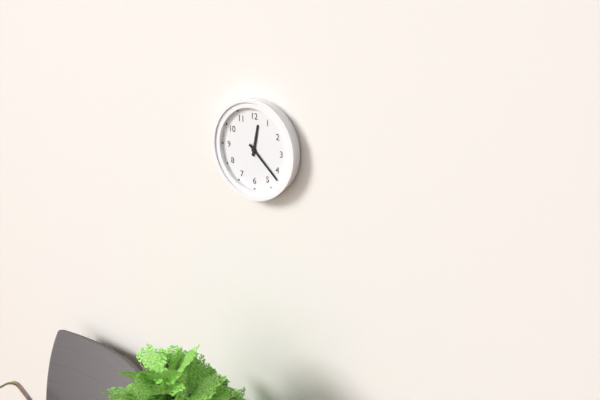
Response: 12:22
